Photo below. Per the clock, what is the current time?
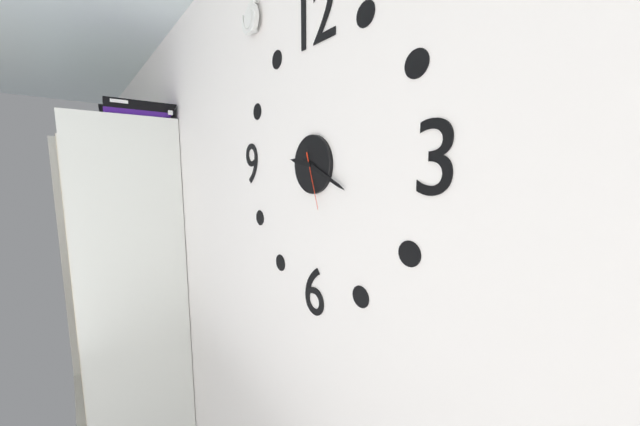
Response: 9:19:27
